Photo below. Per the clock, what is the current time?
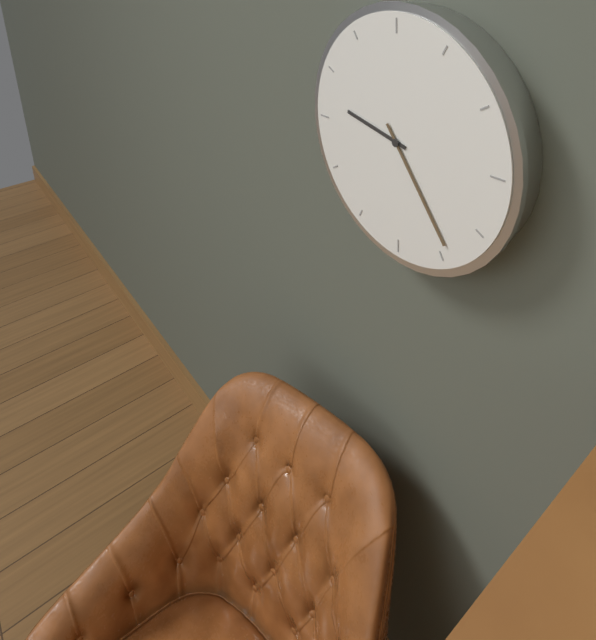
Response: 9:24
